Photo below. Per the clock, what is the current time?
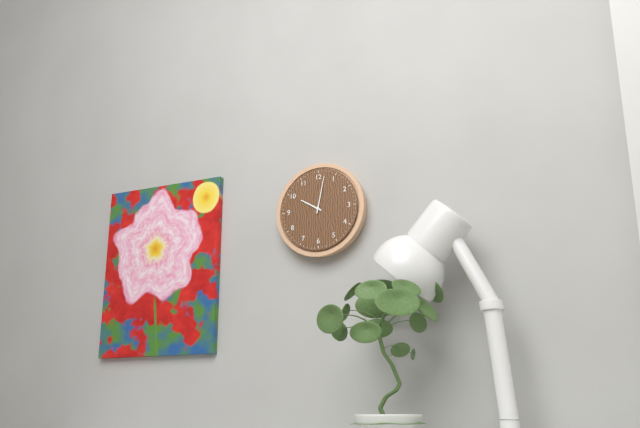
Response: 10:02
